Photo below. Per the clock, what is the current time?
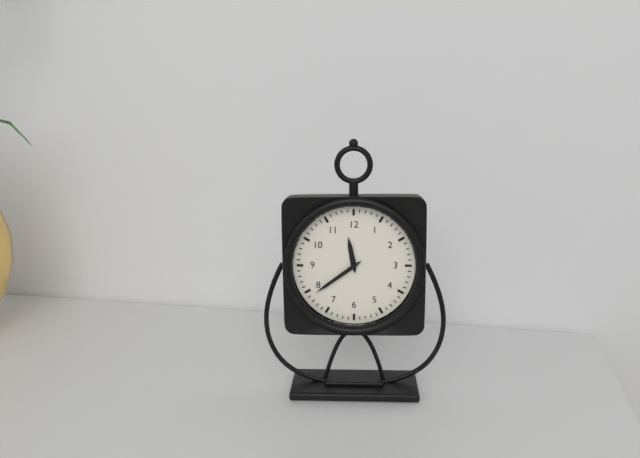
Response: 11:39
